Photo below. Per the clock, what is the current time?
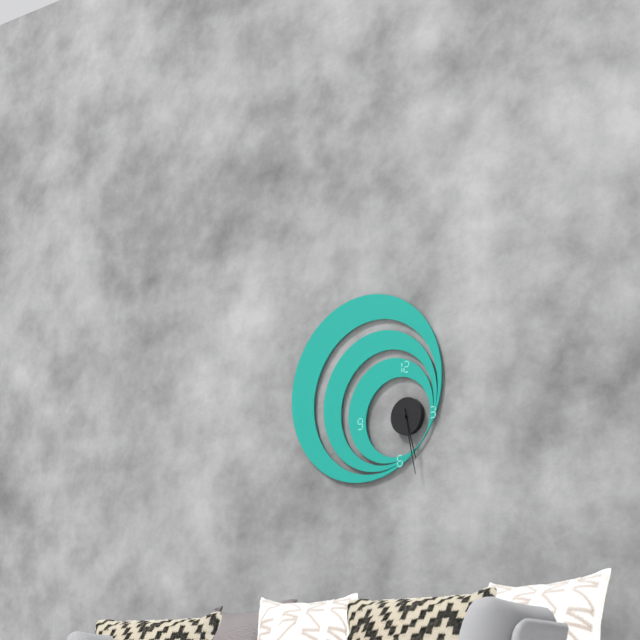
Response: 5:28
